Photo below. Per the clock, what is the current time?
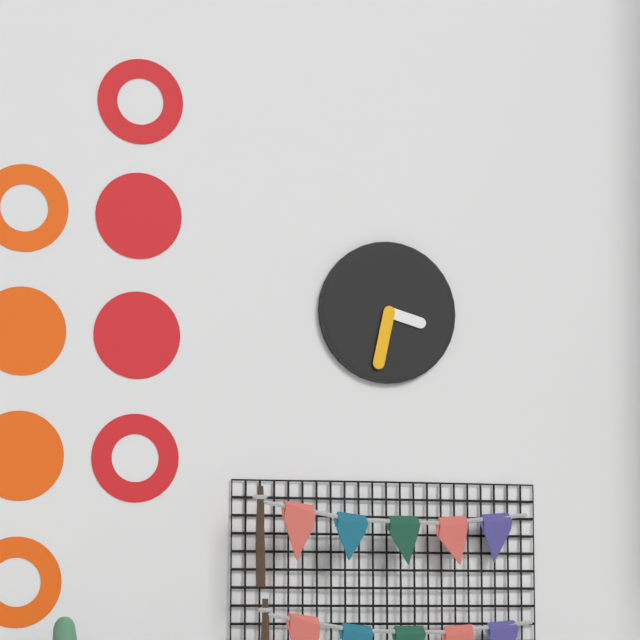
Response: 3:32
